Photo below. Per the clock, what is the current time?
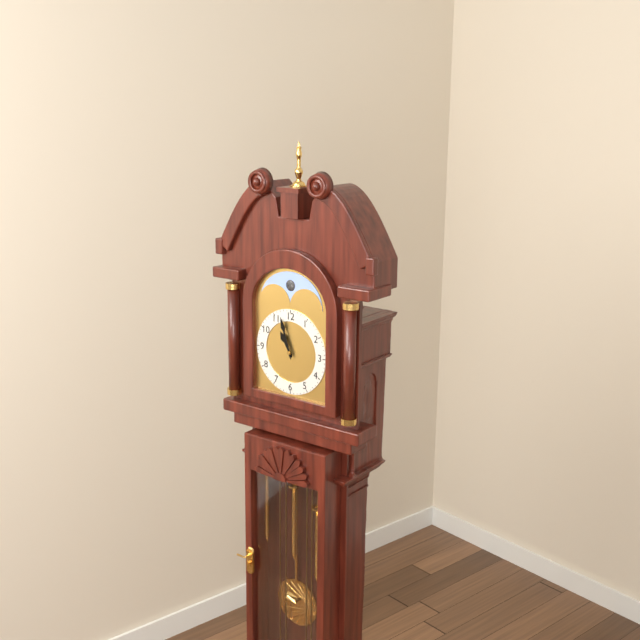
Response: 10:57
